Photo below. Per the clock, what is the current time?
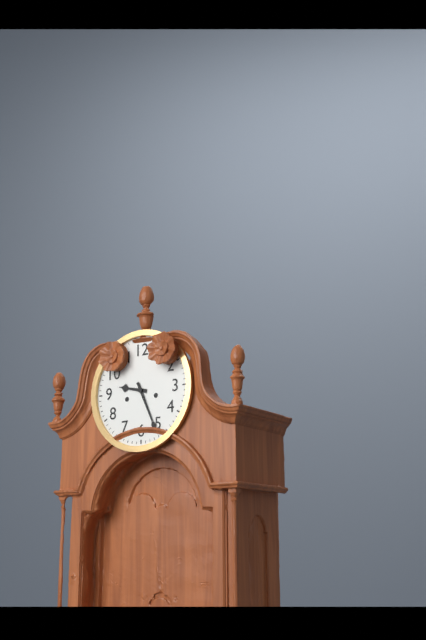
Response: 9:26
